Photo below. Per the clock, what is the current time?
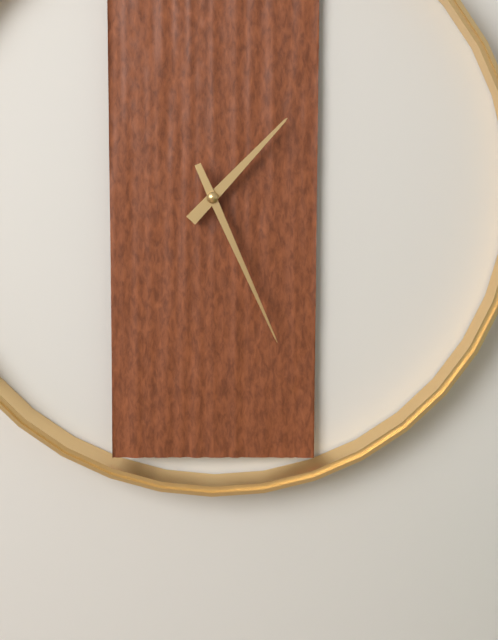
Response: 1:26
